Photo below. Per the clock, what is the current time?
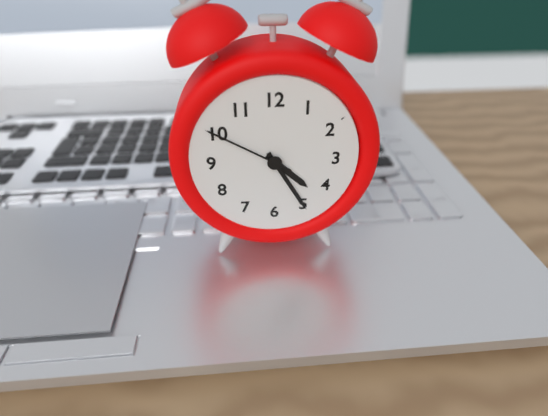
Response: 4:25:50
